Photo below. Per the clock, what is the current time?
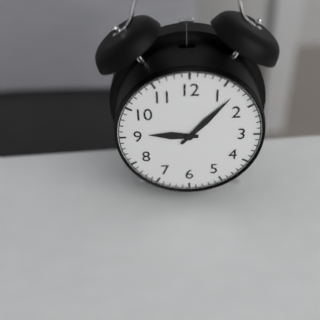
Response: 9:07
